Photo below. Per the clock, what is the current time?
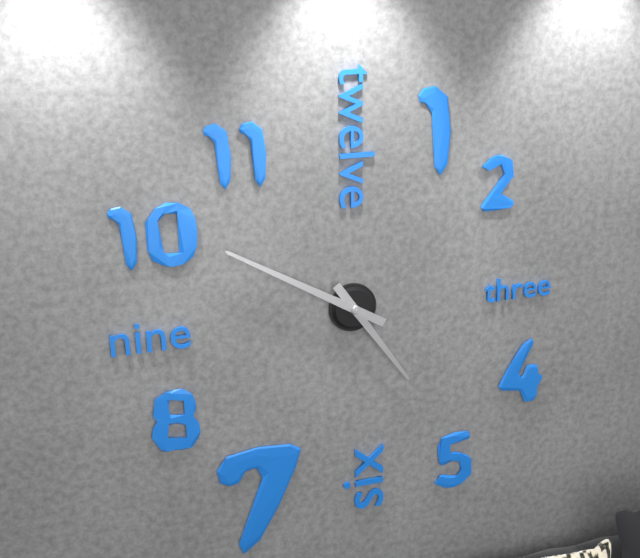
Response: 4:50
